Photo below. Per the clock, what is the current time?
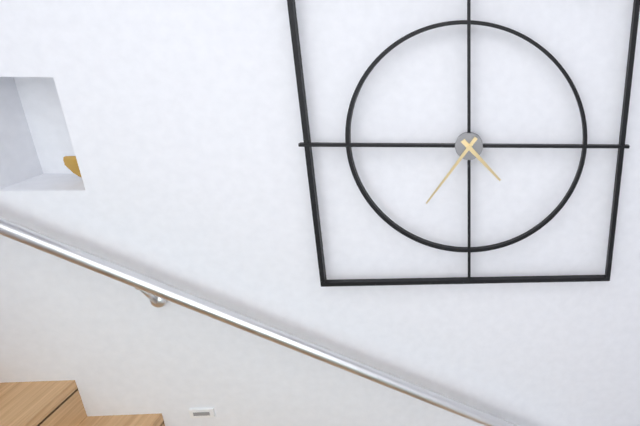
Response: 4:36
